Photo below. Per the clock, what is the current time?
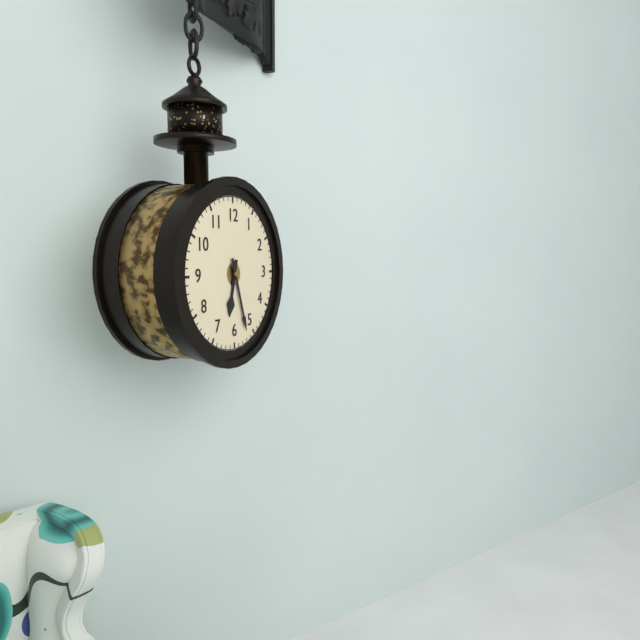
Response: 6:27
